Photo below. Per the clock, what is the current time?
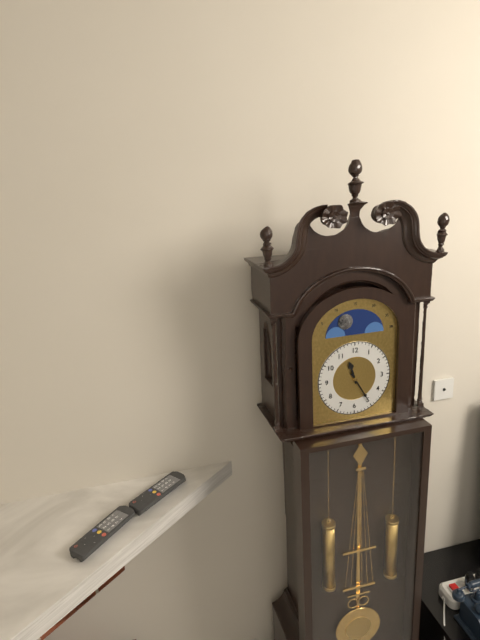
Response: 11:25
